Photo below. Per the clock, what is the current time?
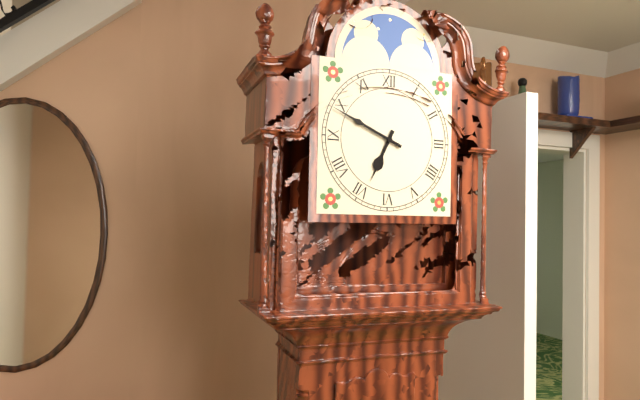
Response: 6:49
